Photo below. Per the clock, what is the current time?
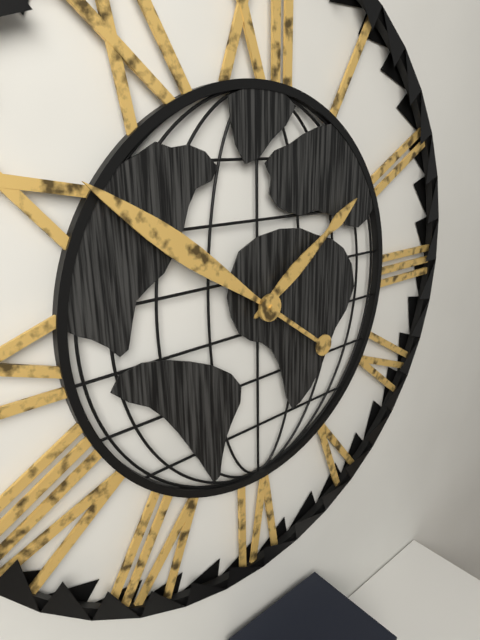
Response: 1:51
